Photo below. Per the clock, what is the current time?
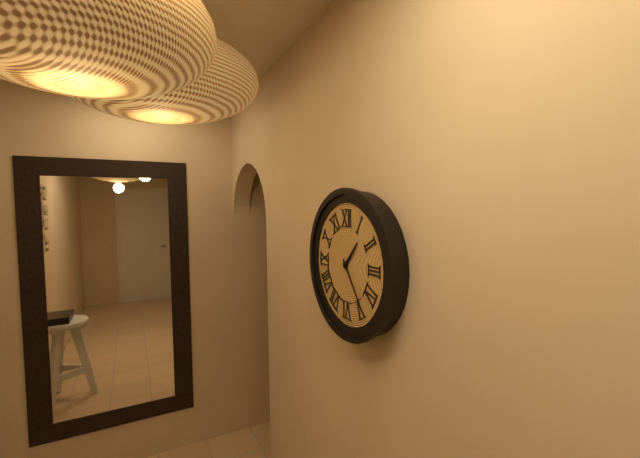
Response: 1:24
